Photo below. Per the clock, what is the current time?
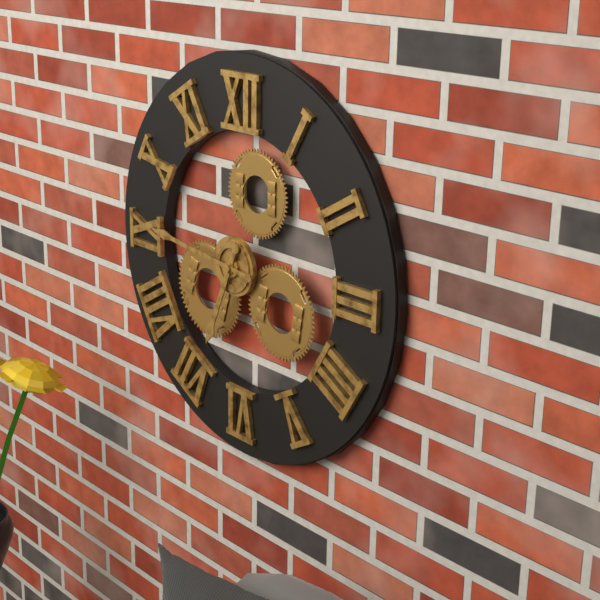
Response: 6:46
